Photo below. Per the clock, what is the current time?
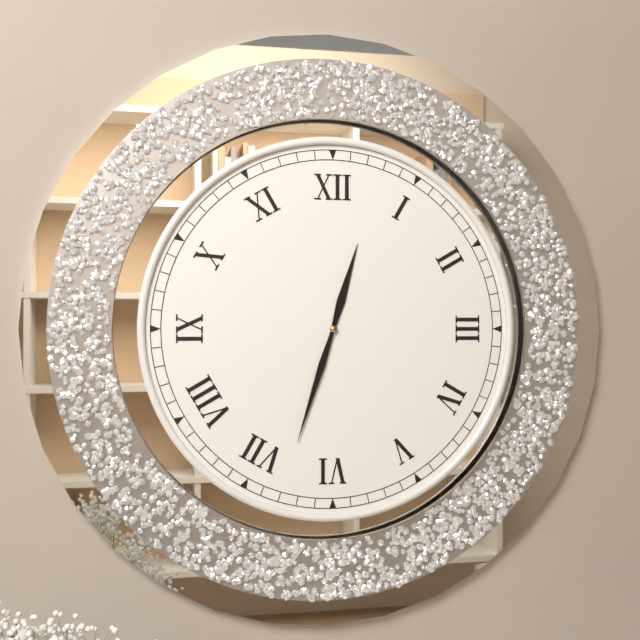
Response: 12:33
